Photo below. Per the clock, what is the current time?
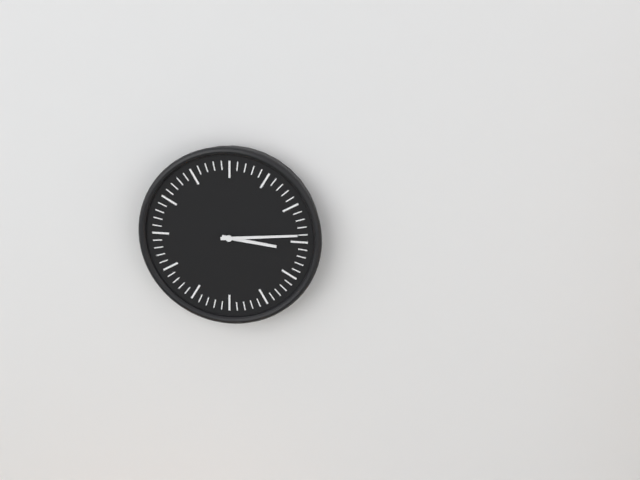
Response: 3:14
